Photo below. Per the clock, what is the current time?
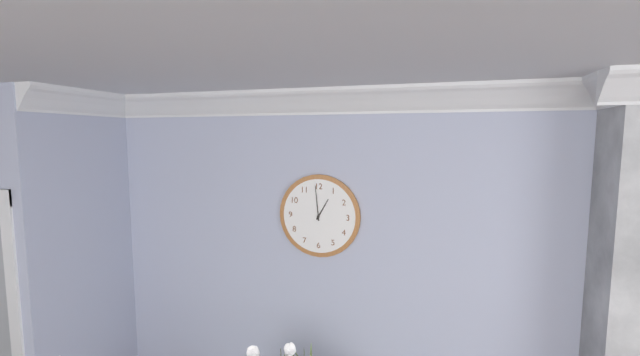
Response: 12:59
